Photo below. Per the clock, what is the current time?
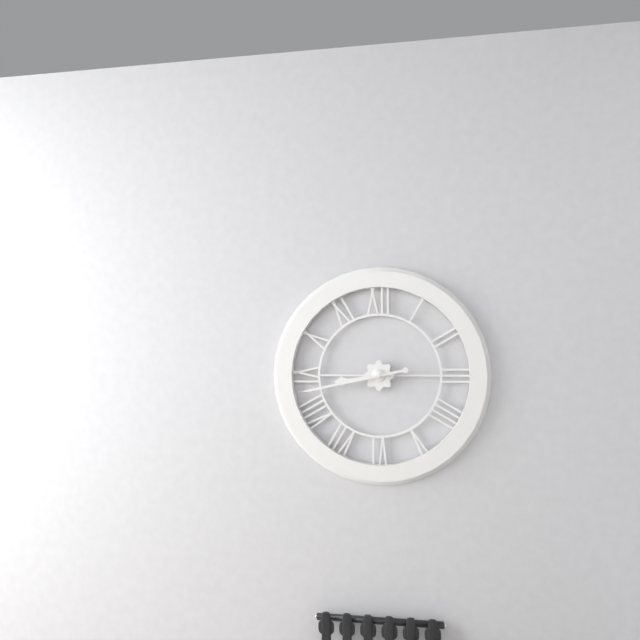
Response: 8:43
